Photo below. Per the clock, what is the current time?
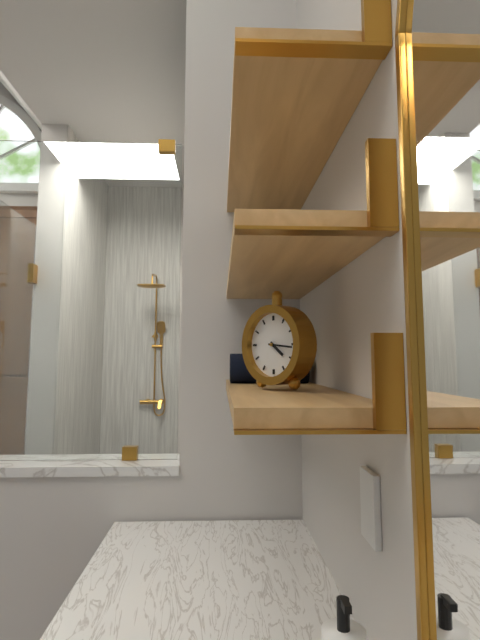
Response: 4:16
